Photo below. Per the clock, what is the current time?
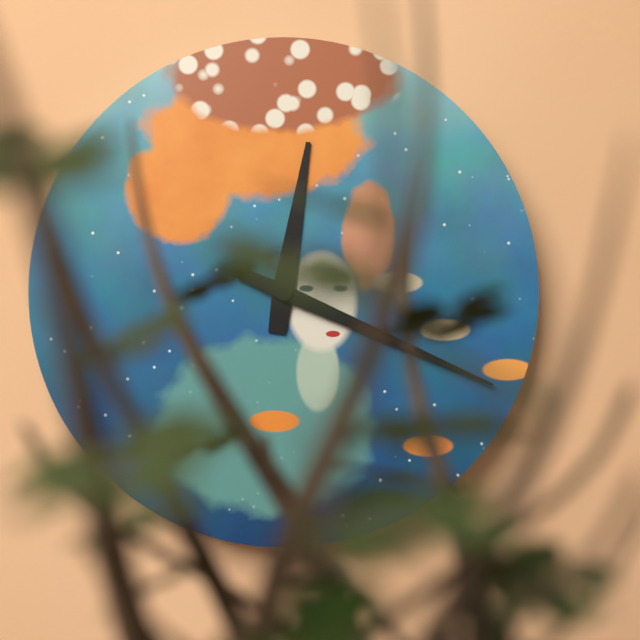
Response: 12:19
